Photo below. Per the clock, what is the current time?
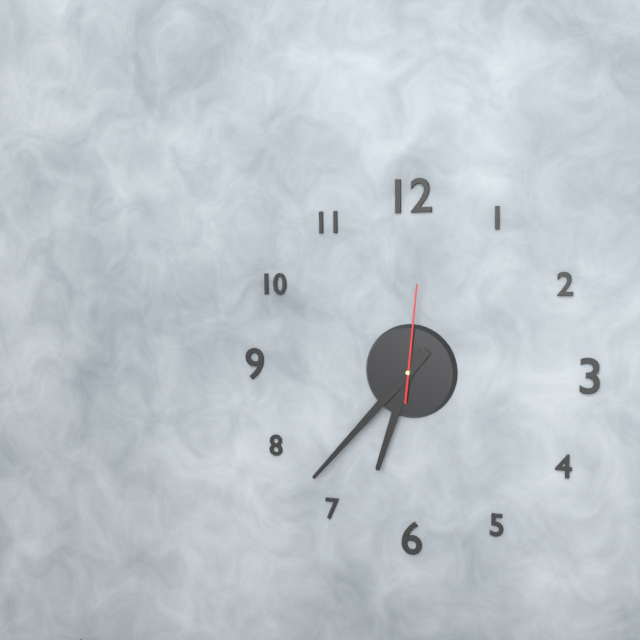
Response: 6:37:01
